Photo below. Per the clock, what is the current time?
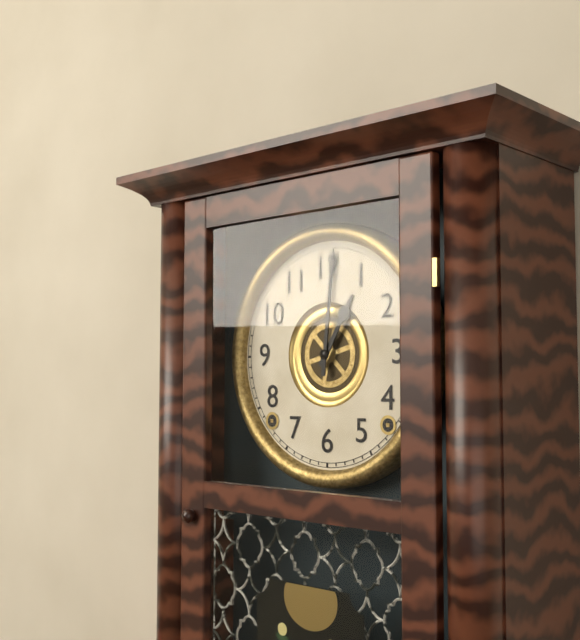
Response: 1:01
